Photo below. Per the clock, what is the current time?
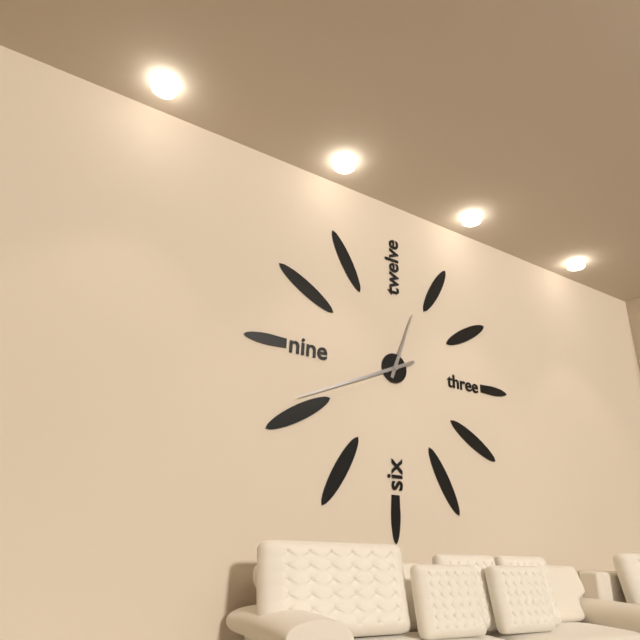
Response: 12:41
